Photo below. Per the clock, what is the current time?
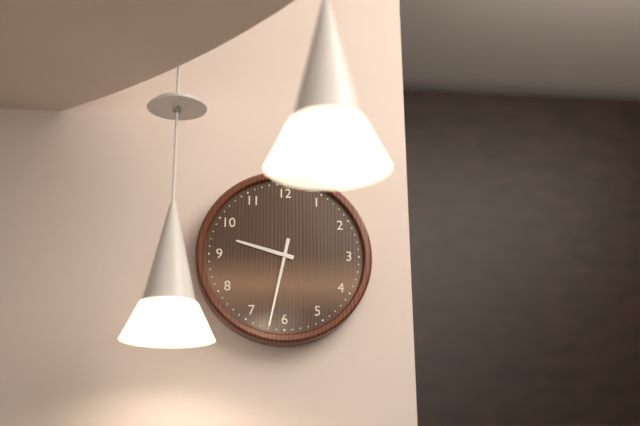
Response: 9:32
